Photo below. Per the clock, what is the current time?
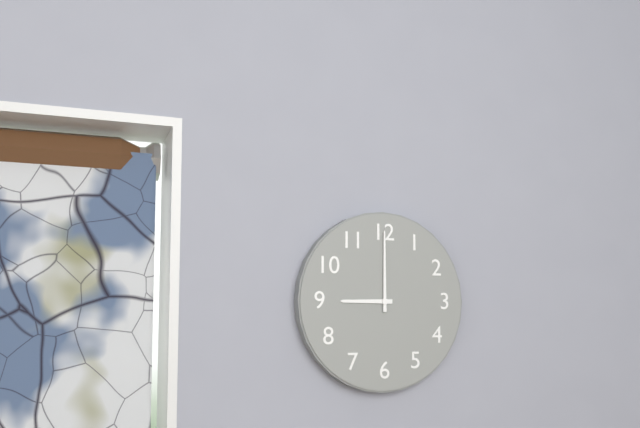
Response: 9:00
